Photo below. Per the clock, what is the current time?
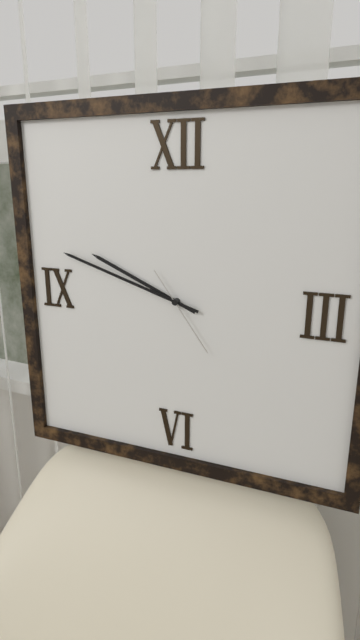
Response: 9:48:24
